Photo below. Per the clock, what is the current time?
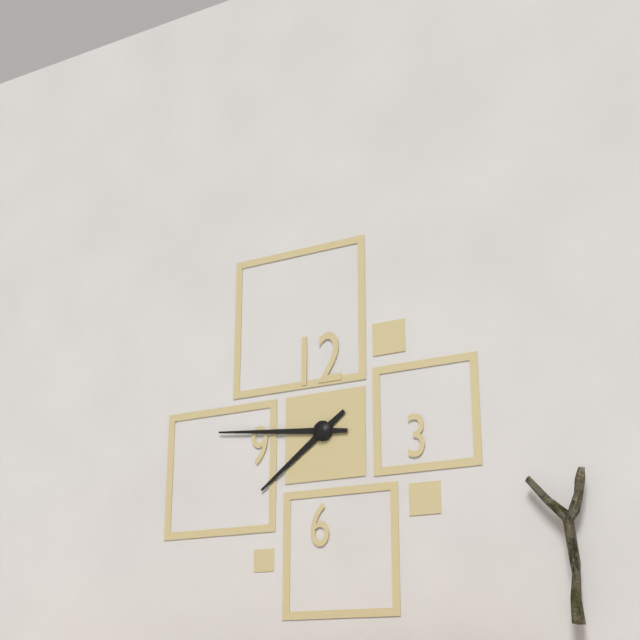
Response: 7:46
